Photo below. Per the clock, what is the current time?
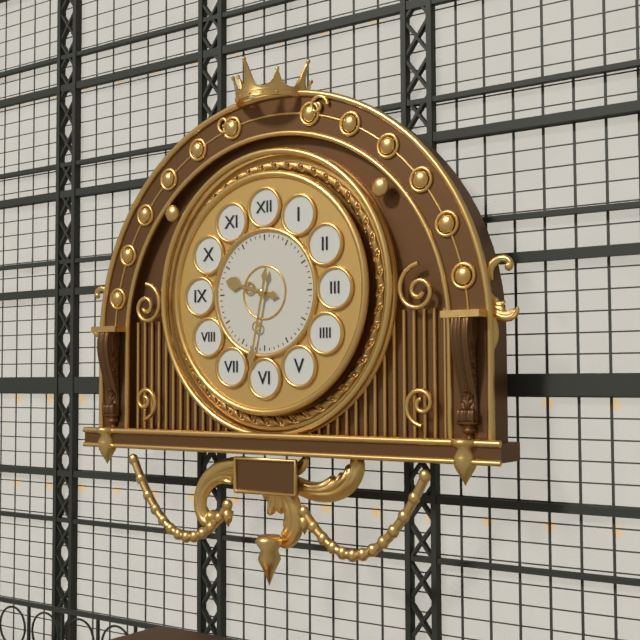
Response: 9:32
